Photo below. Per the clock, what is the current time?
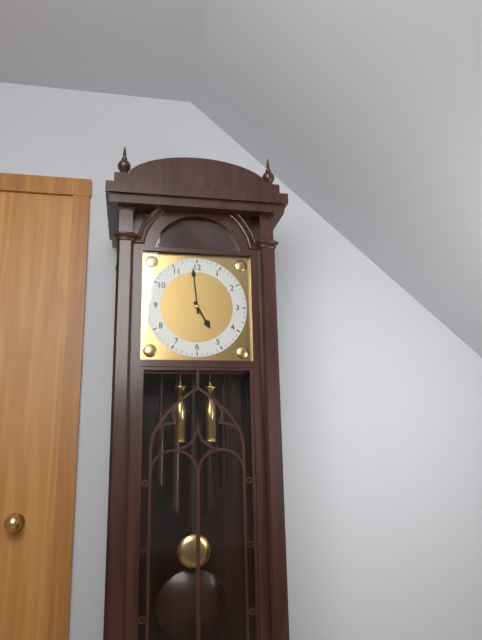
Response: 4:59
